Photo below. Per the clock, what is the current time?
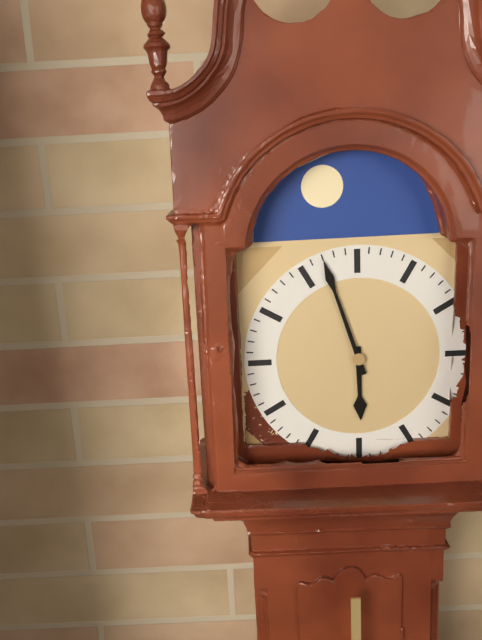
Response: 5:57
